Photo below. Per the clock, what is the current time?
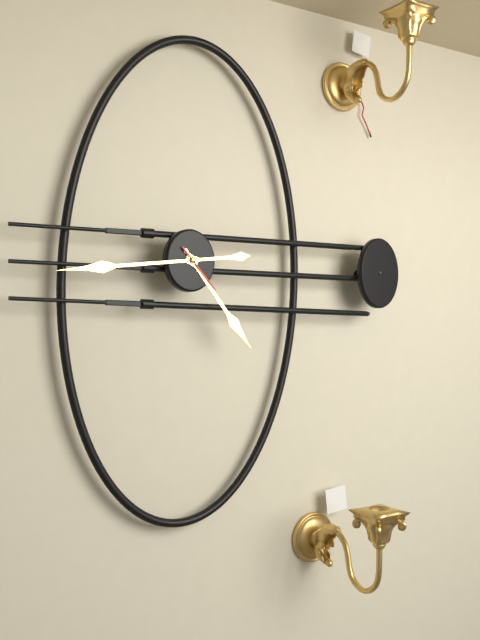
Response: 4:44
